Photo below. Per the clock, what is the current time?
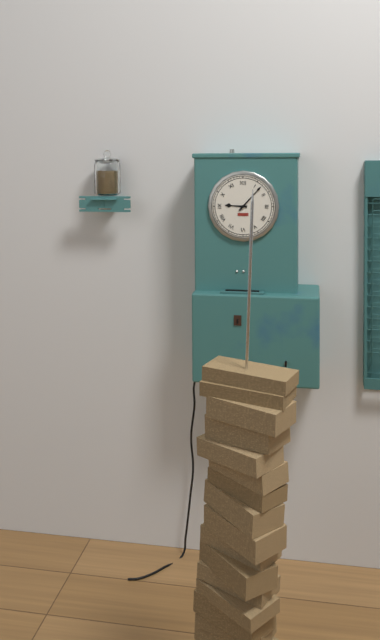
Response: 9:07
